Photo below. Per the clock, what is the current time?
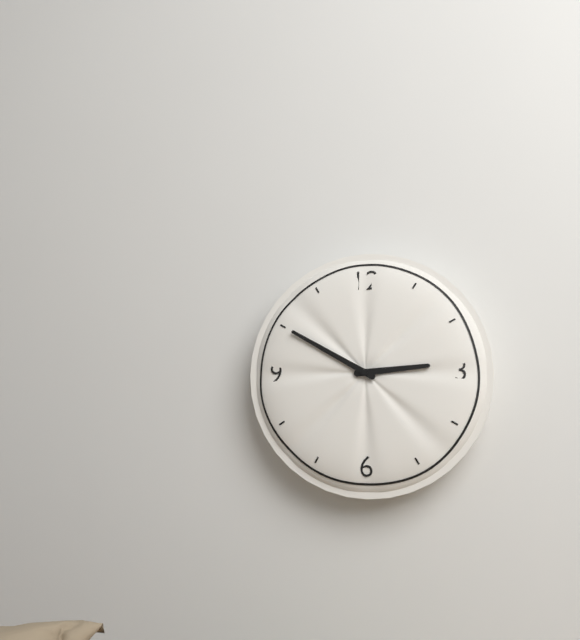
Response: 2:50
